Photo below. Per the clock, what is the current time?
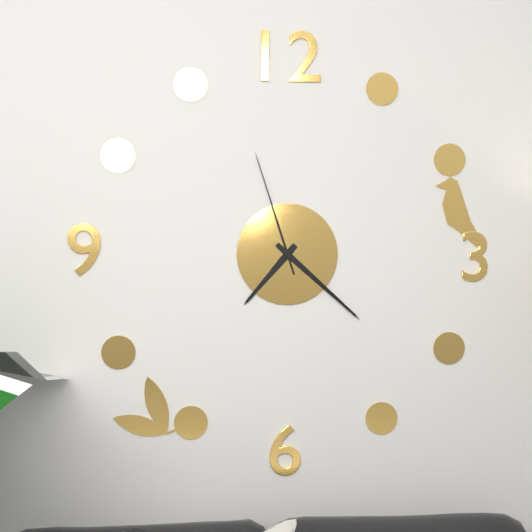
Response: 7:22:57
